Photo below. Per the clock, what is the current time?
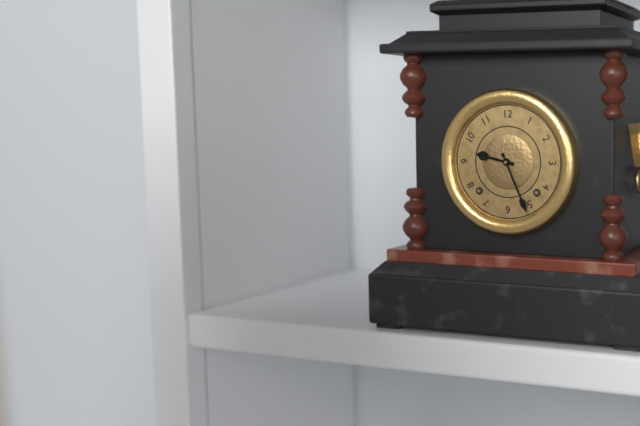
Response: 9:26
